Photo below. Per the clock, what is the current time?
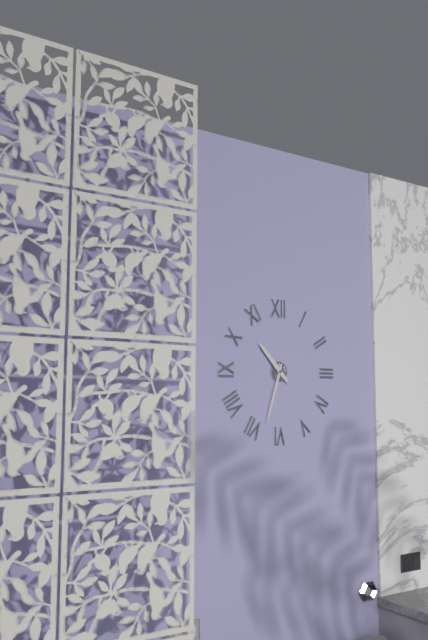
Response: 10:33
